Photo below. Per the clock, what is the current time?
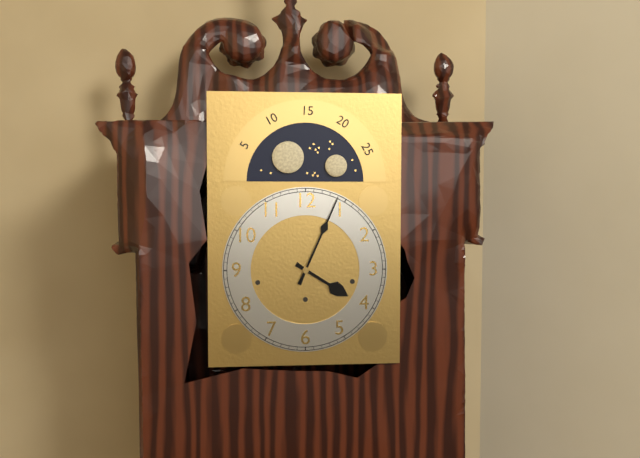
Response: 4:04
